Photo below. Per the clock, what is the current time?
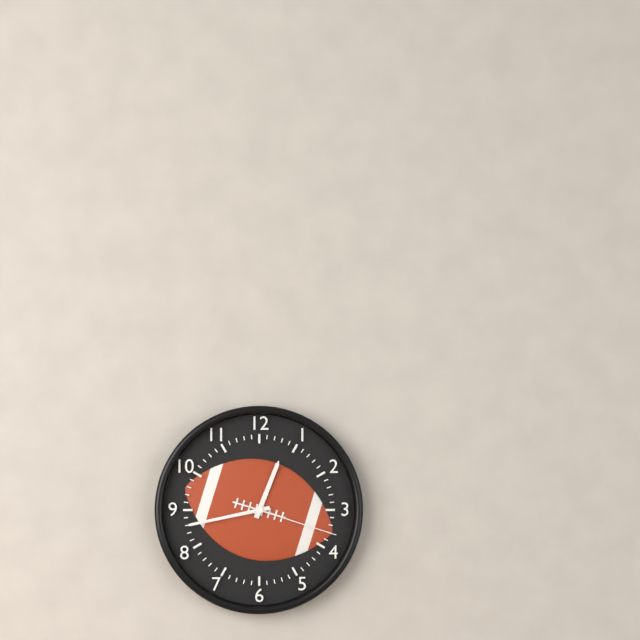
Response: 12:43:18
